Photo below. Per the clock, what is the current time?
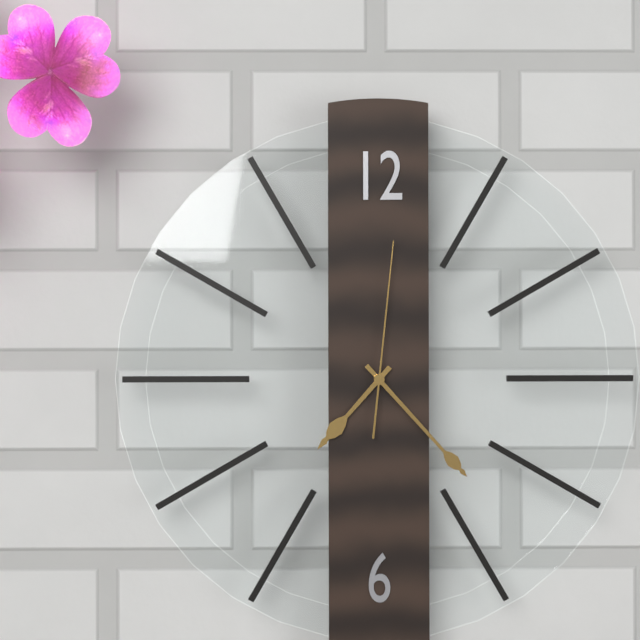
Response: 7:23:01
